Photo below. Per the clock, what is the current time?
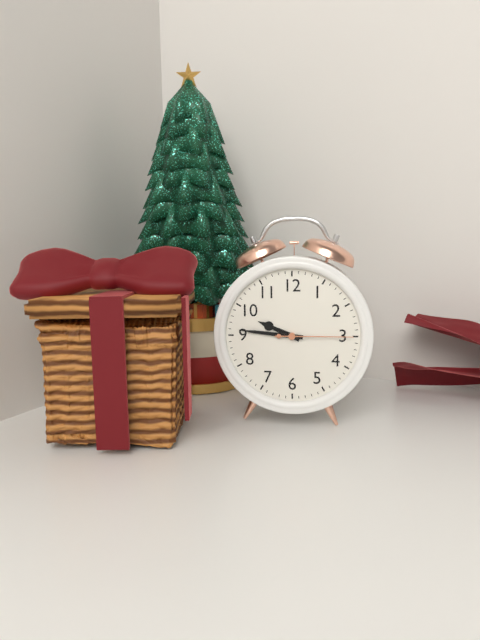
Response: 9:46:15
